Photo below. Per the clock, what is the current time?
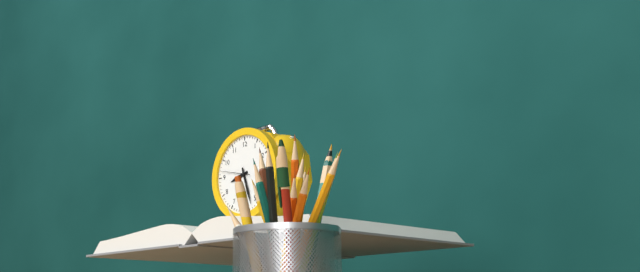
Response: 8:27
